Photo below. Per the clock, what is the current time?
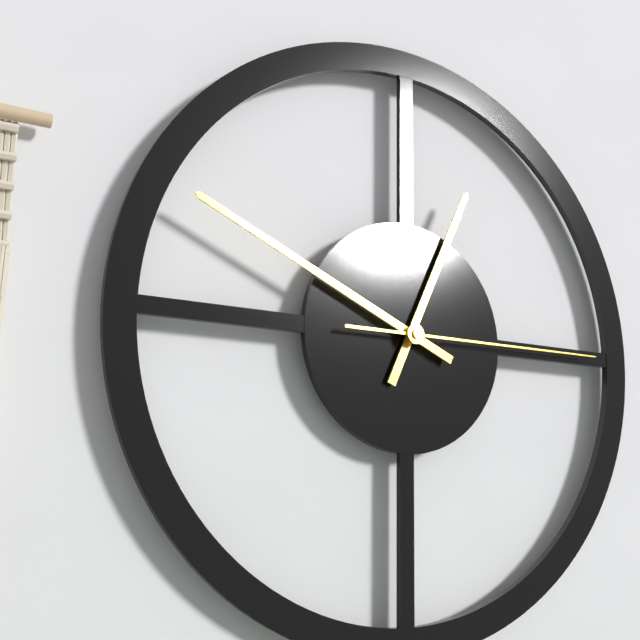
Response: 12:49:15
